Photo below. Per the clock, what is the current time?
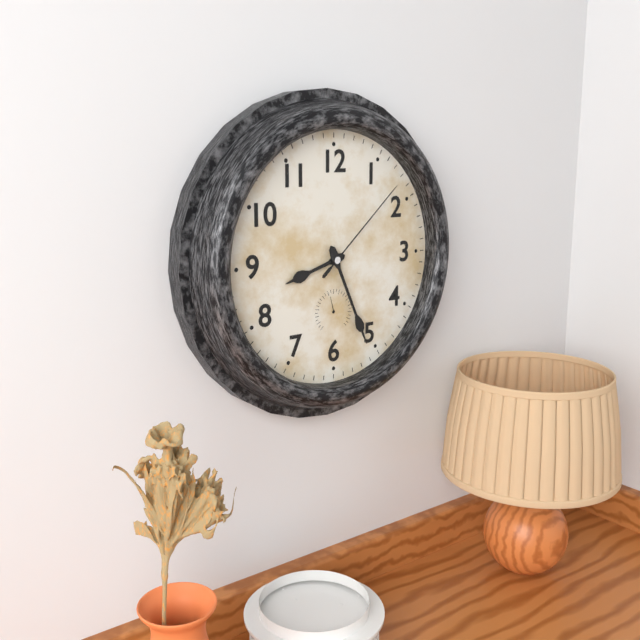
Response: 8:26:08
